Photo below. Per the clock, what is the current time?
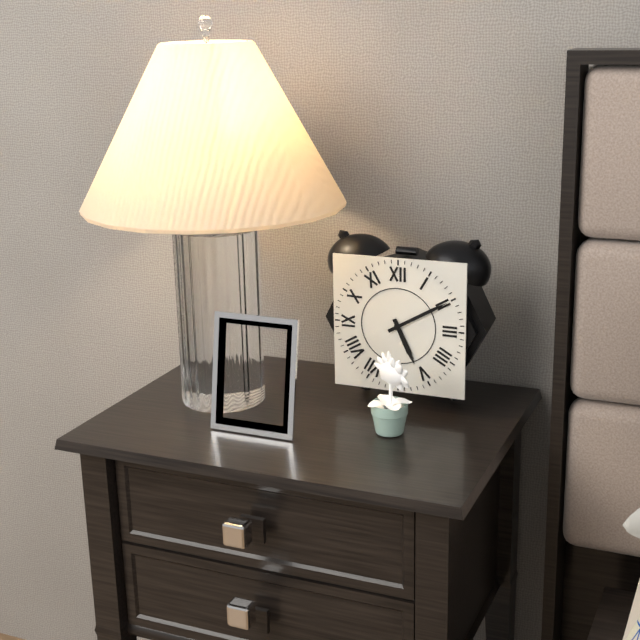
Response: 5:10
